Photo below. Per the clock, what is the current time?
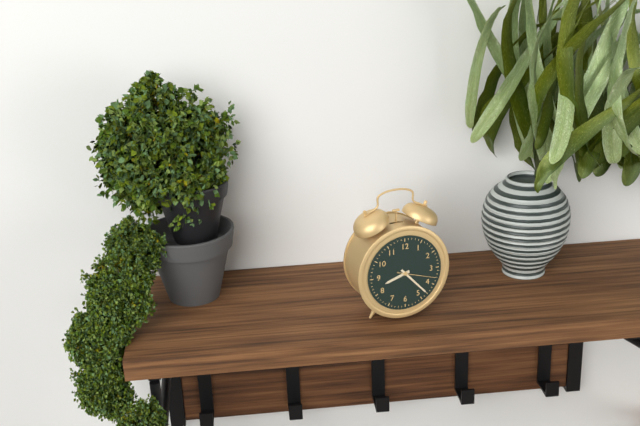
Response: 8:23
